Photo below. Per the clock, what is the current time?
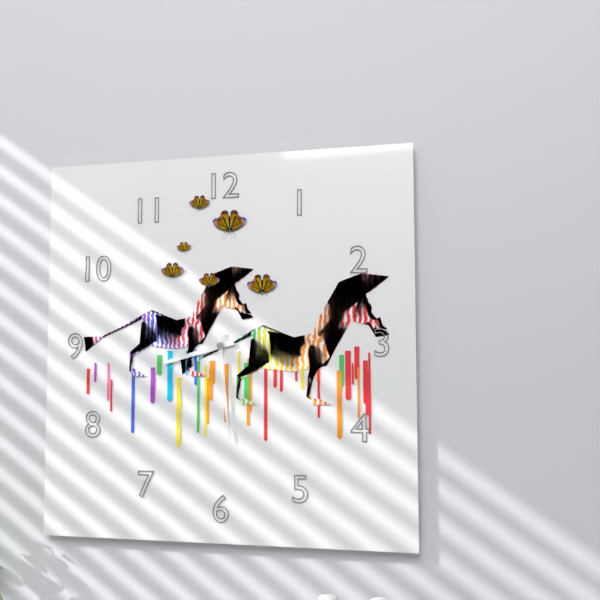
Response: 8:29
